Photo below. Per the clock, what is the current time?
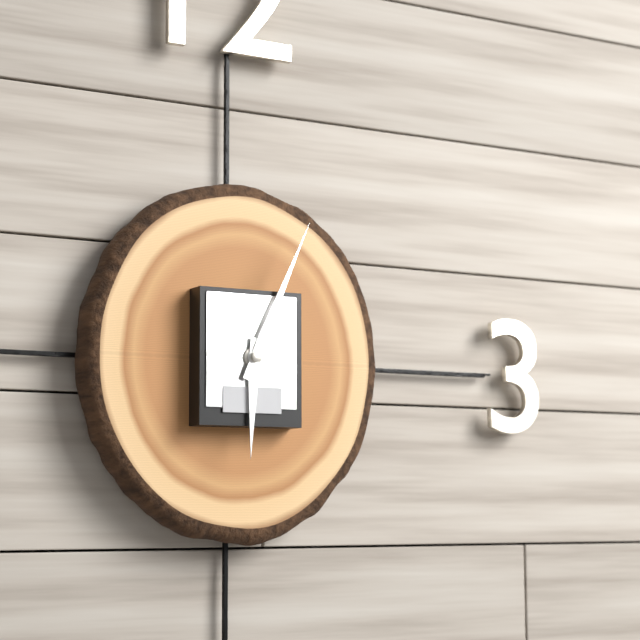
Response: 6:04
